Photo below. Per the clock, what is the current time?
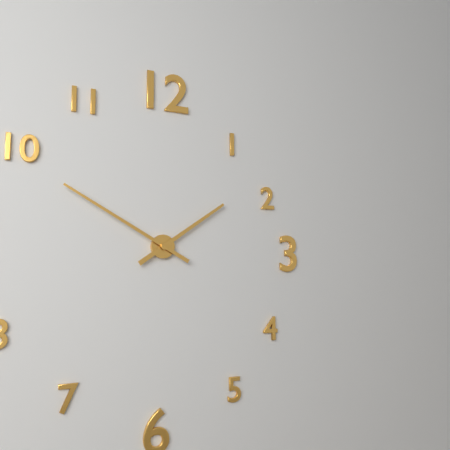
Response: 1:50
